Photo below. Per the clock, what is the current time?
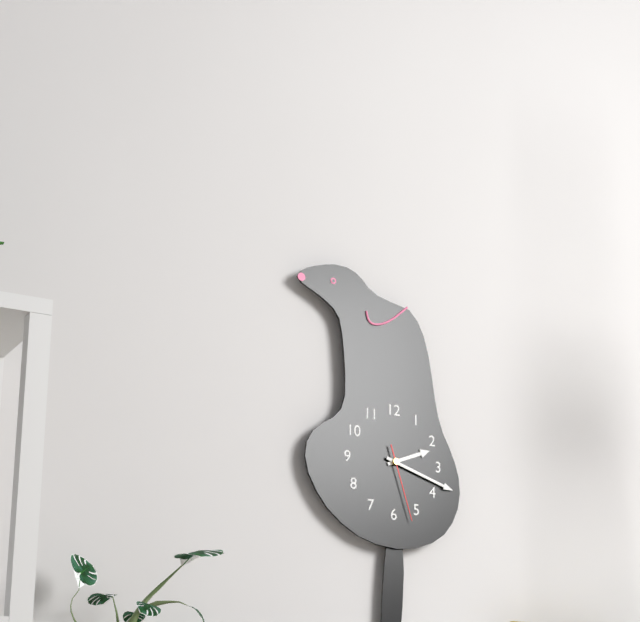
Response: 2:18:27
